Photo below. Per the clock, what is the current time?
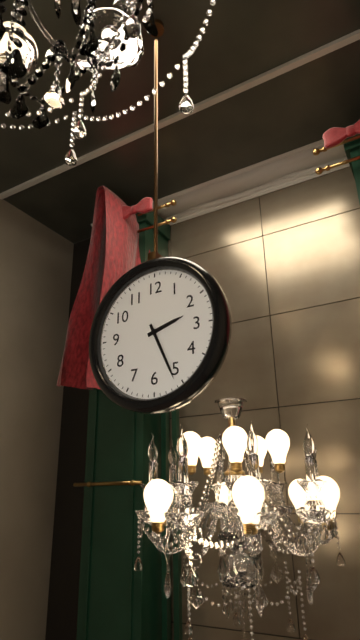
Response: 2:26
